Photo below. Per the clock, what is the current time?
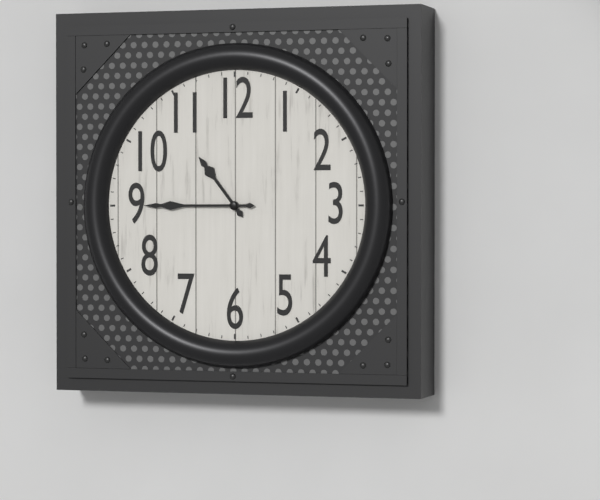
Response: 10:45
